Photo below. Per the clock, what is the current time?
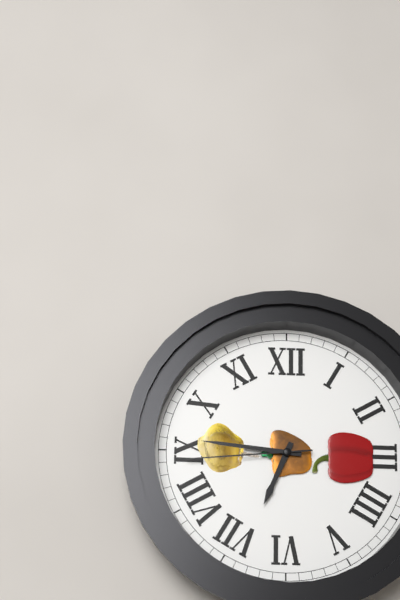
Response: 6:46:44
